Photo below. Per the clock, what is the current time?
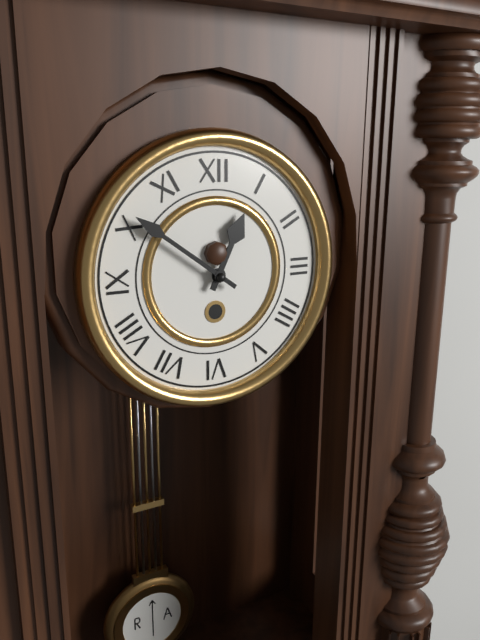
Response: 12:51
